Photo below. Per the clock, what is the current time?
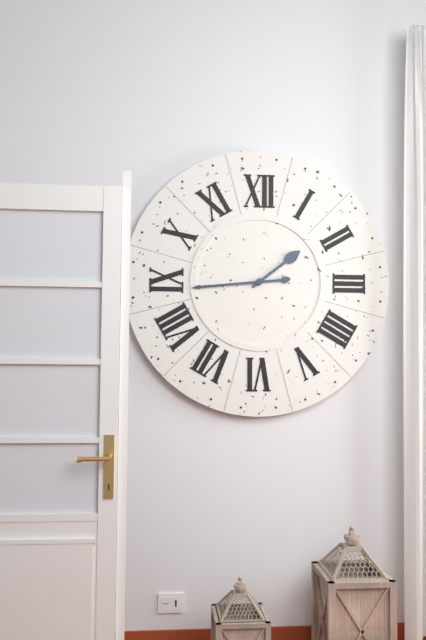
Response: 1:44
